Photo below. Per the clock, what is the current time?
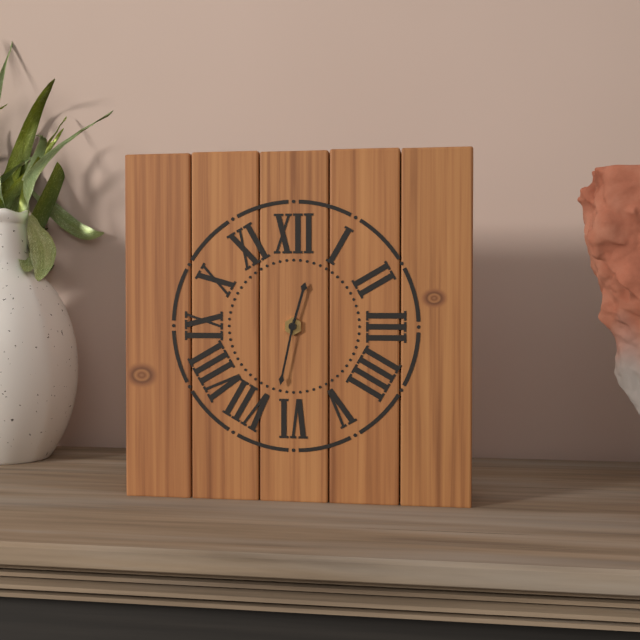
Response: 12:32
